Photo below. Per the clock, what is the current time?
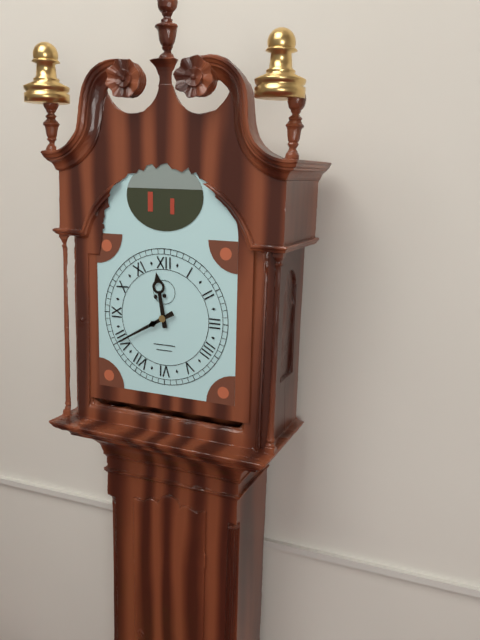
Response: 11:40
